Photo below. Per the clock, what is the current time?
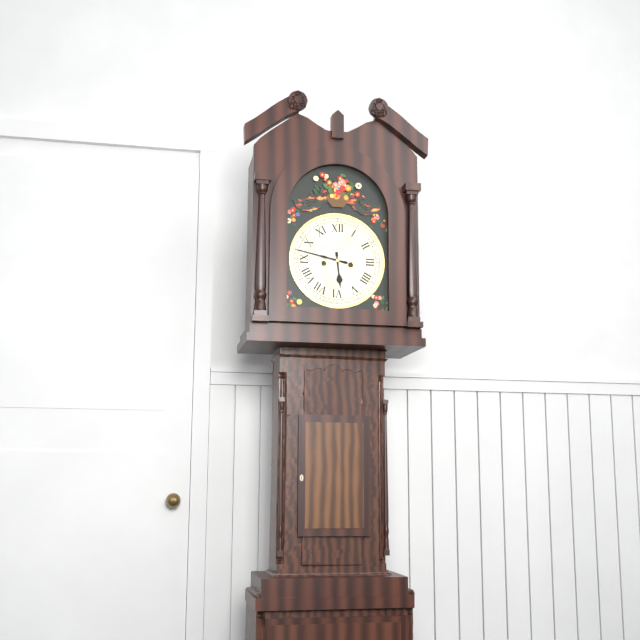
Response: 5:47
